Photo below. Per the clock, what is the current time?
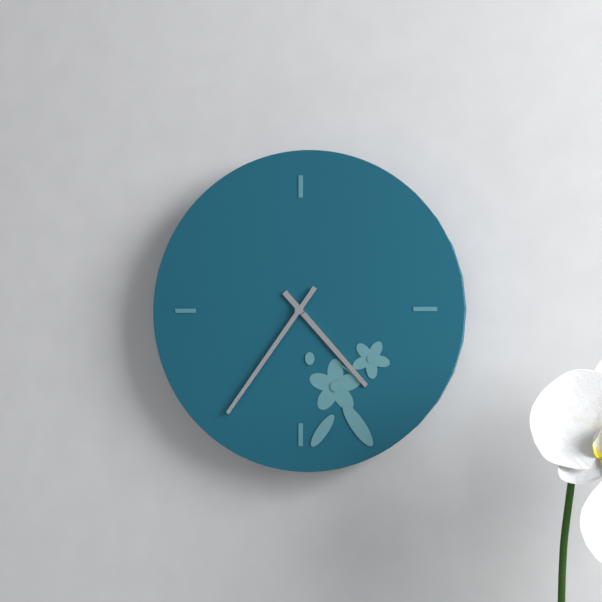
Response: 4:36
